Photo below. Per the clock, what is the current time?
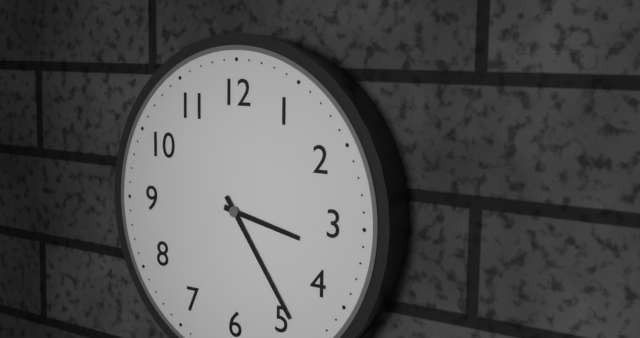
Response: 3:24
